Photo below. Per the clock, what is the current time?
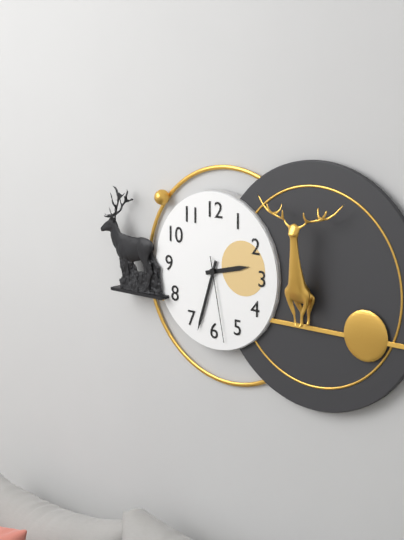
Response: 2:33:28
